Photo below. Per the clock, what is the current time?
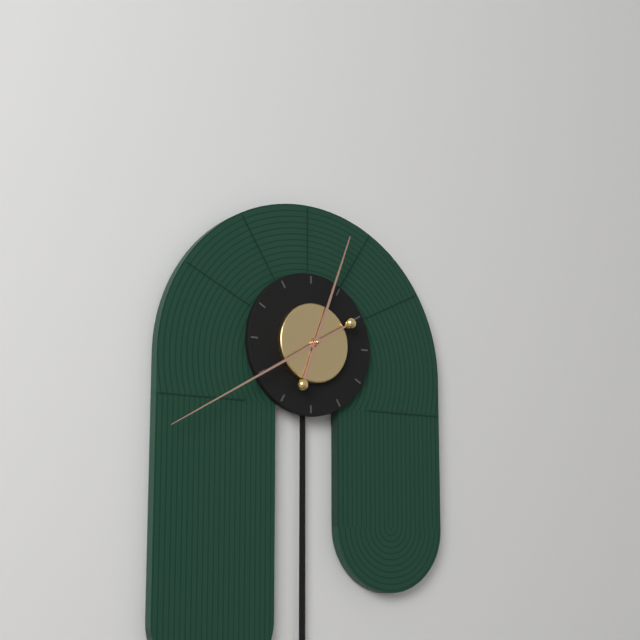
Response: 12:40
